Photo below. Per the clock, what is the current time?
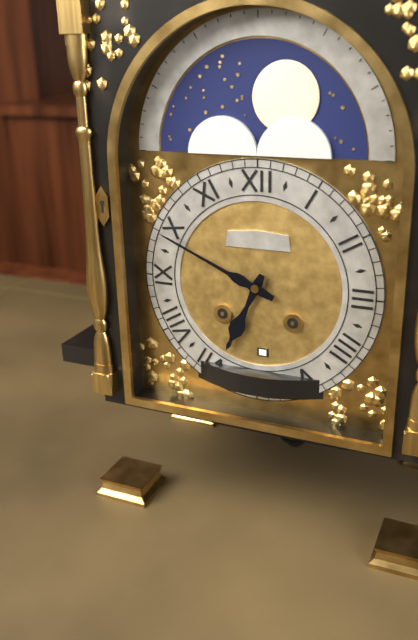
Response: 6:49
